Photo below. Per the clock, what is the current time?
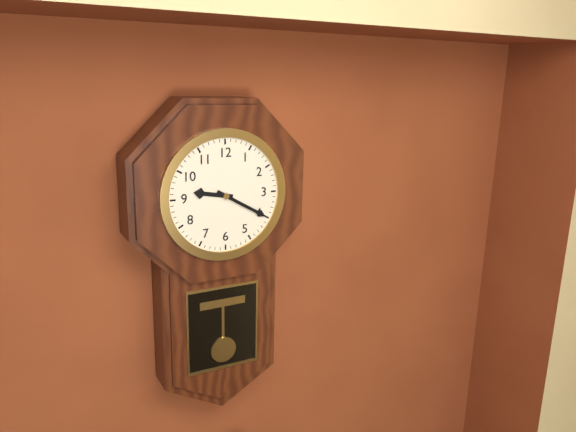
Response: 9:20
